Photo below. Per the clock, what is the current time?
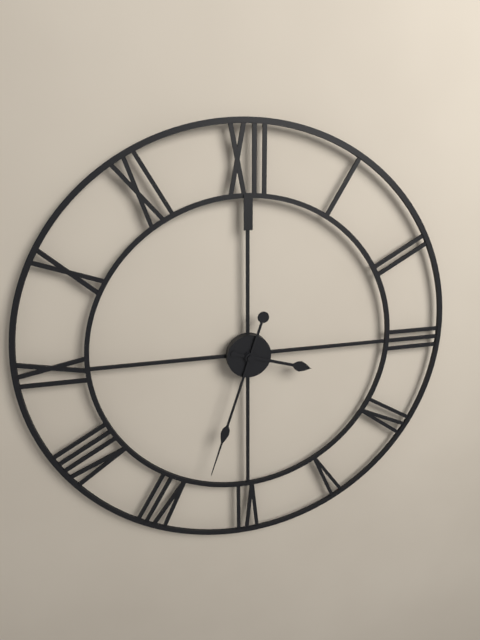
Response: 3:33
